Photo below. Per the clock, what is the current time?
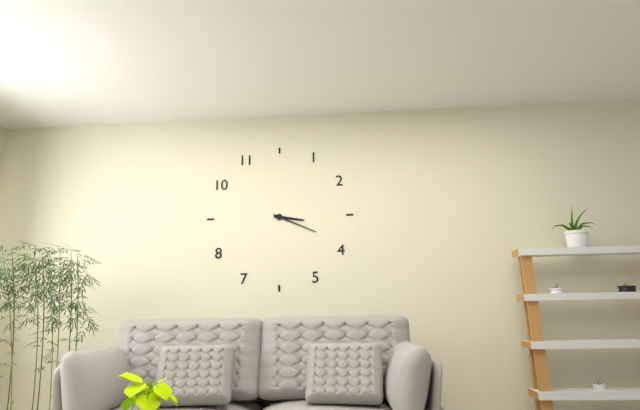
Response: 3:19
